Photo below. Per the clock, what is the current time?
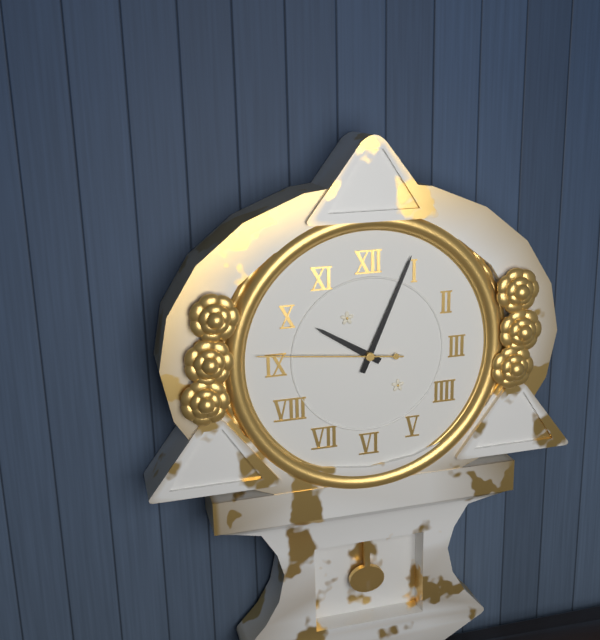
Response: 10:04:46
